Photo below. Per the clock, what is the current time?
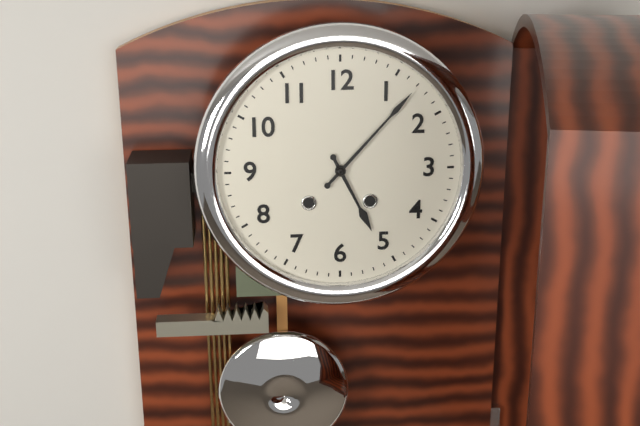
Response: 5:07
